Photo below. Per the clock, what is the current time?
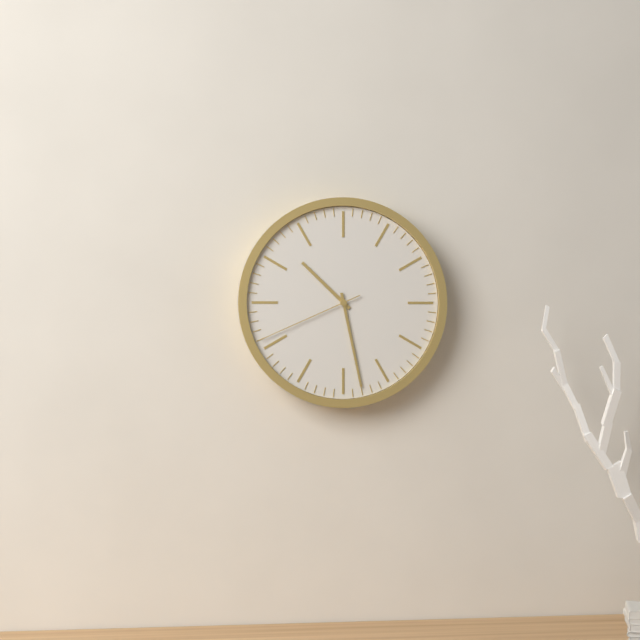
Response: 10:28:41
